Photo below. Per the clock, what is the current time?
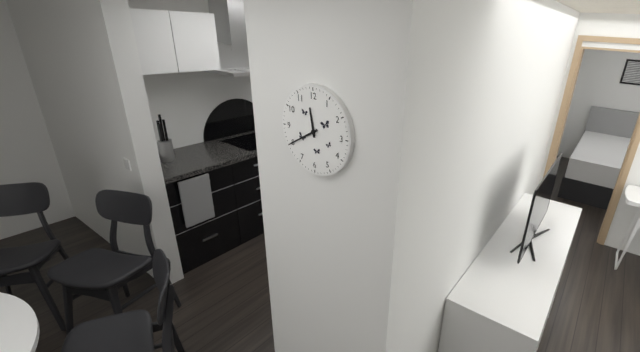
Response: 11:40
